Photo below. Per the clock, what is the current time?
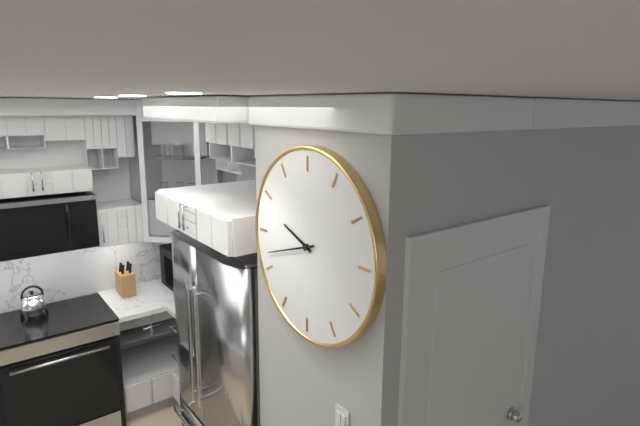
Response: 9:42
